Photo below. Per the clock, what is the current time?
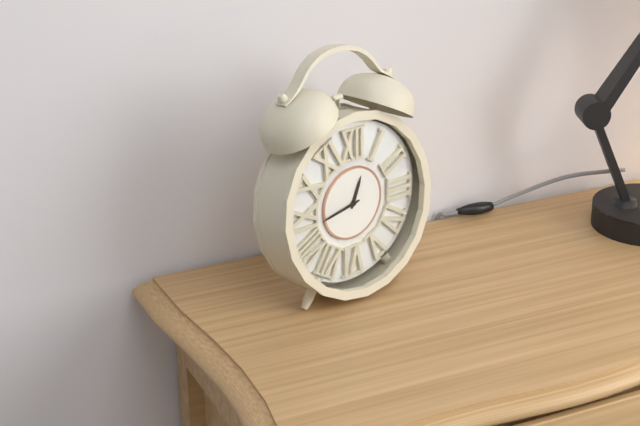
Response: 12:43
